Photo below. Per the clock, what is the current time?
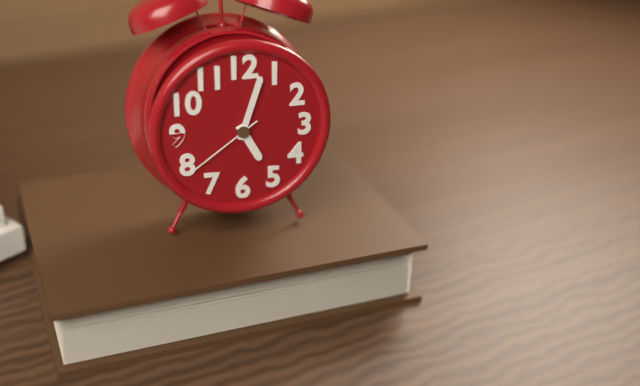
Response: 5:03:39
